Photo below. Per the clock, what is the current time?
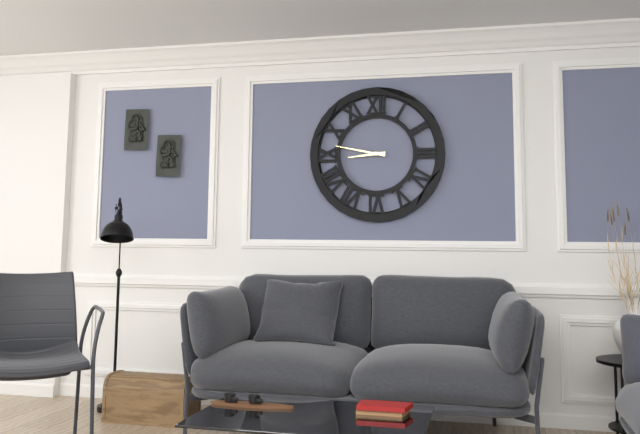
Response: 8:47
